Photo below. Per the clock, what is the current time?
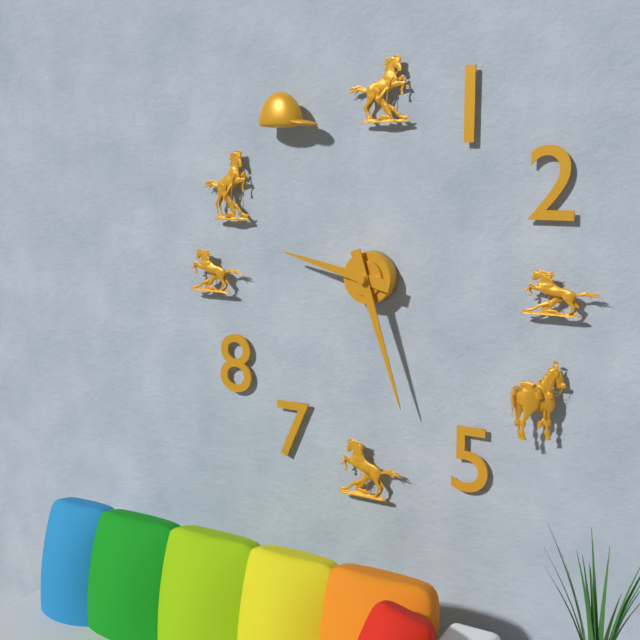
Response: 9:27
